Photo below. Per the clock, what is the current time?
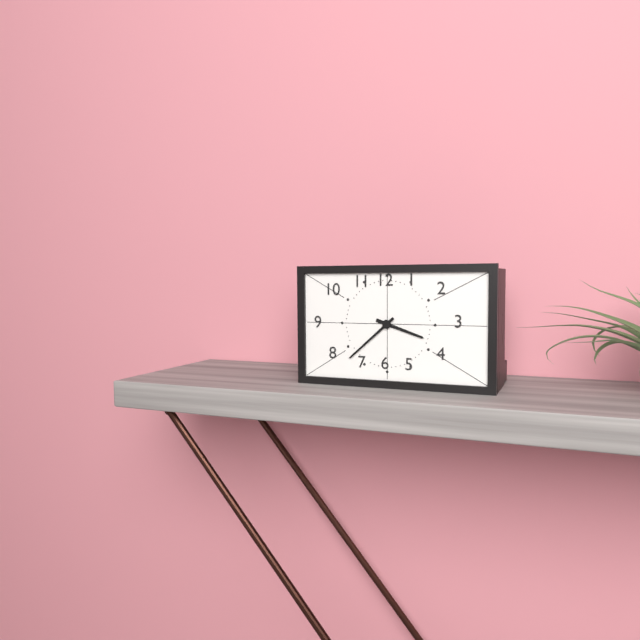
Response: 3:38
